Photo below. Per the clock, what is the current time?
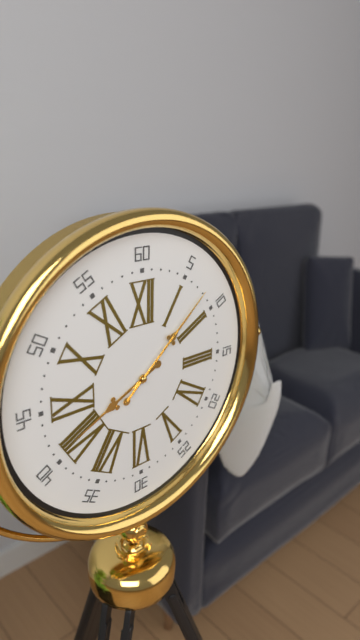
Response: 8:08:08
